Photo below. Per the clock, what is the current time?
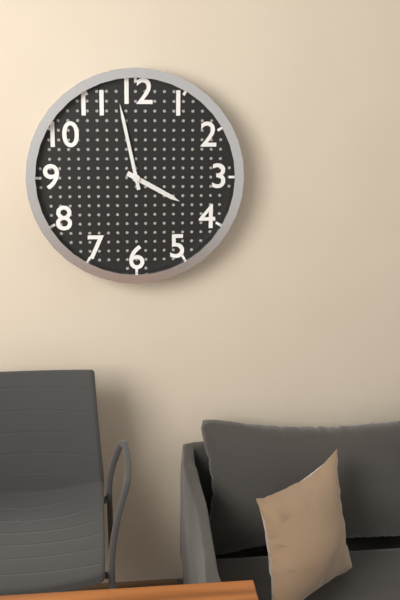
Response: 3:58
